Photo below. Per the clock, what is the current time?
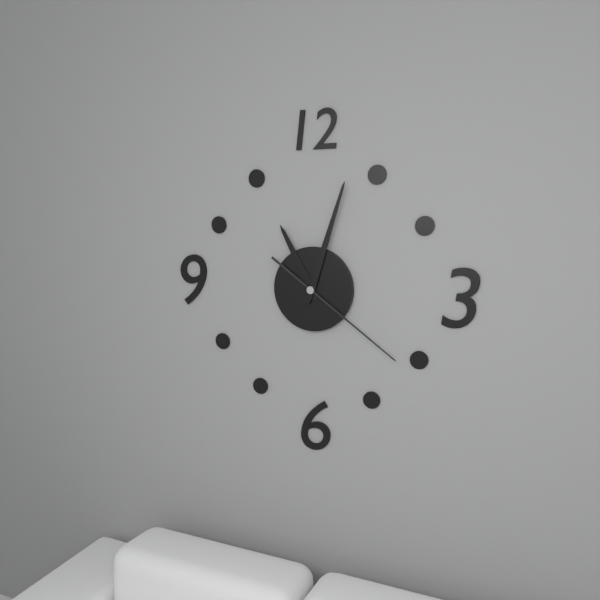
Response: 11:03:21
